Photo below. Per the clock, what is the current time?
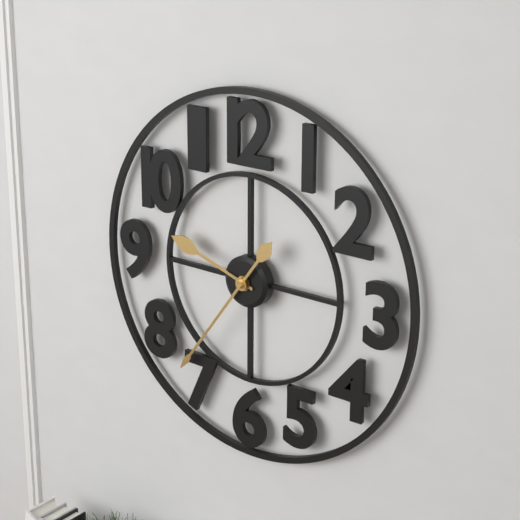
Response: 9:36
